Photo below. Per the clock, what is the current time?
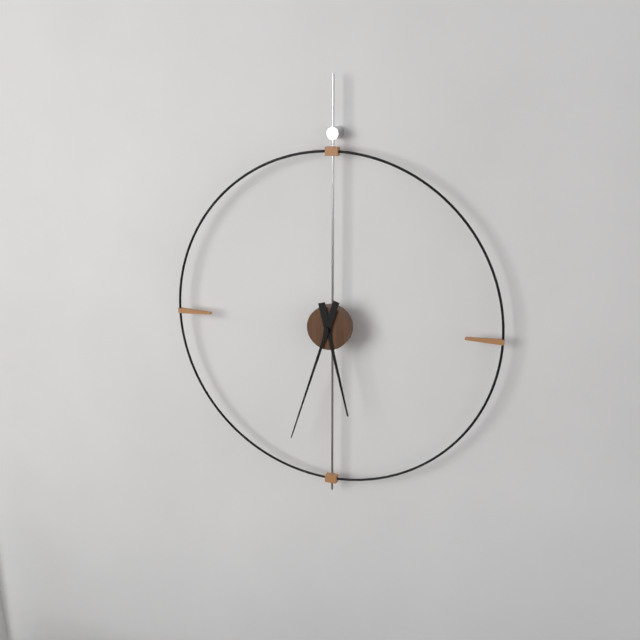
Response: 5:33
